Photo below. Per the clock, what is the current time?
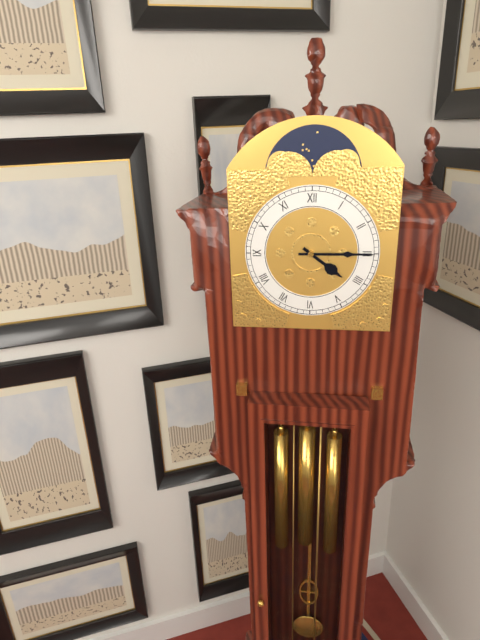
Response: 4:15
